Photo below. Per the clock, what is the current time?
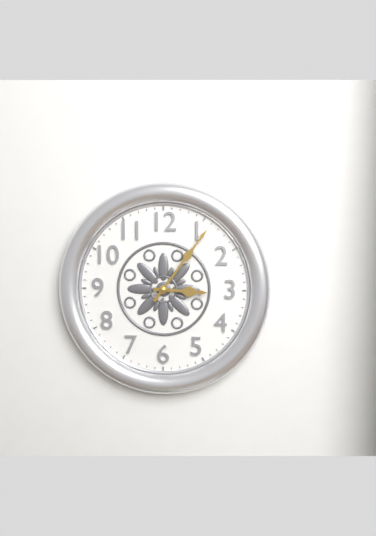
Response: 3:06
